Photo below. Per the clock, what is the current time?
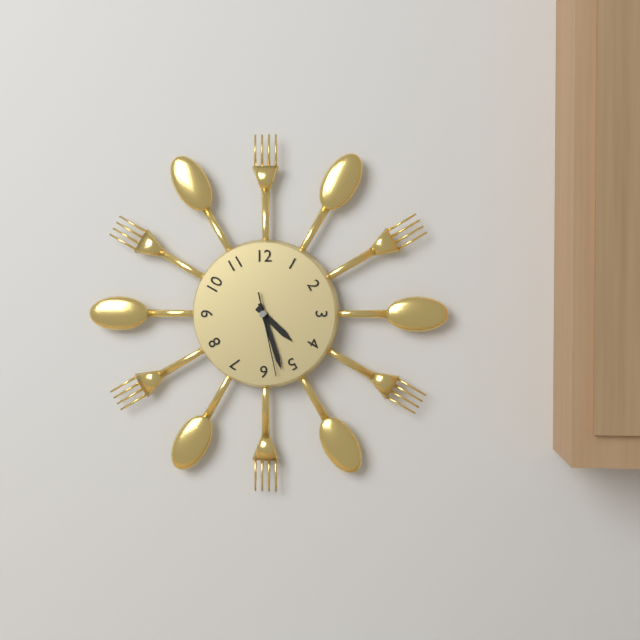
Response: 4:27:28
